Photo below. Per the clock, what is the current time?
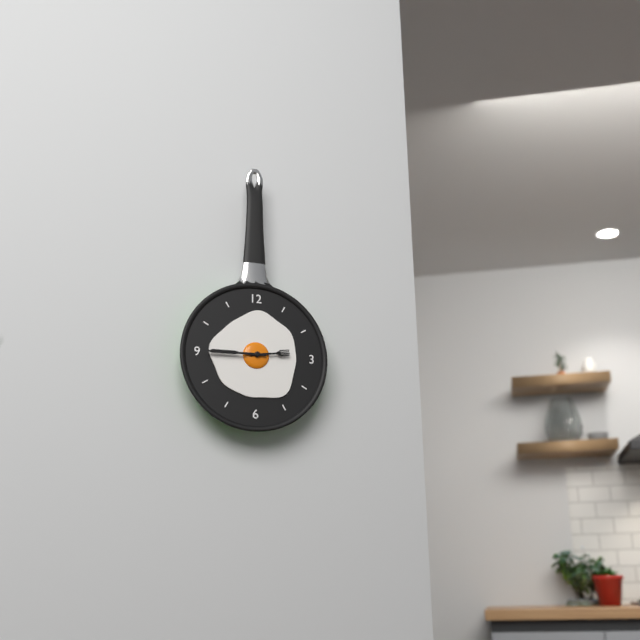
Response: 2:45
